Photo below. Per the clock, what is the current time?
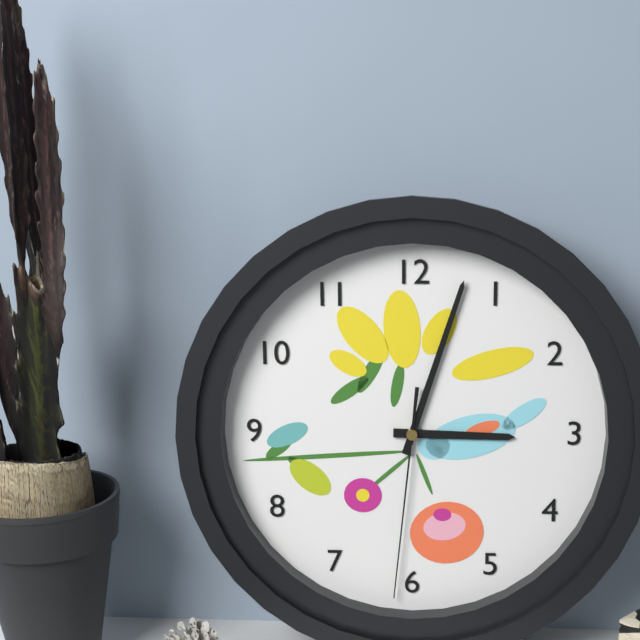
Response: 3:03:31
